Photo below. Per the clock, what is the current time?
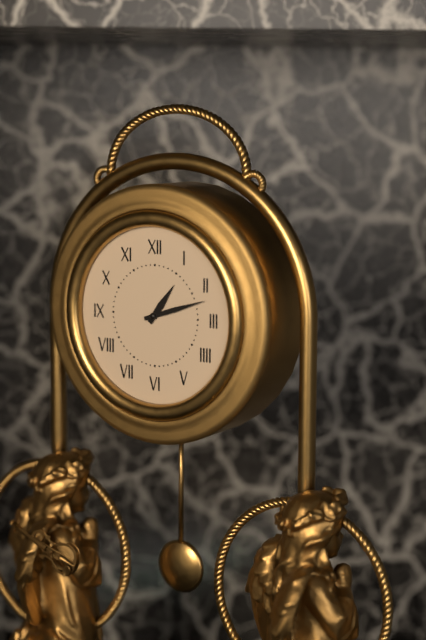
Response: 1:12
